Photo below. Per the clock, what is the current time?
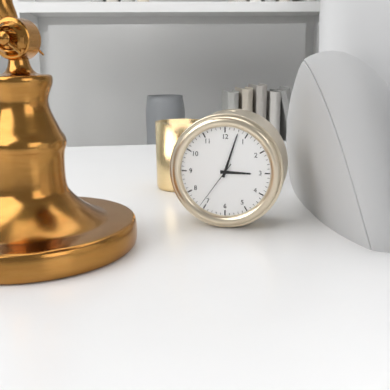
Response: 3:03:36
